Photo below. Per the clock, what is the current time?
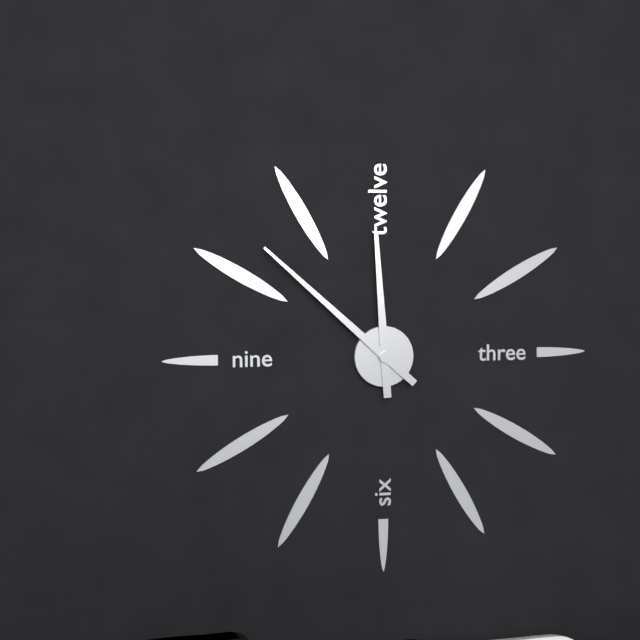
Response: 11:52
